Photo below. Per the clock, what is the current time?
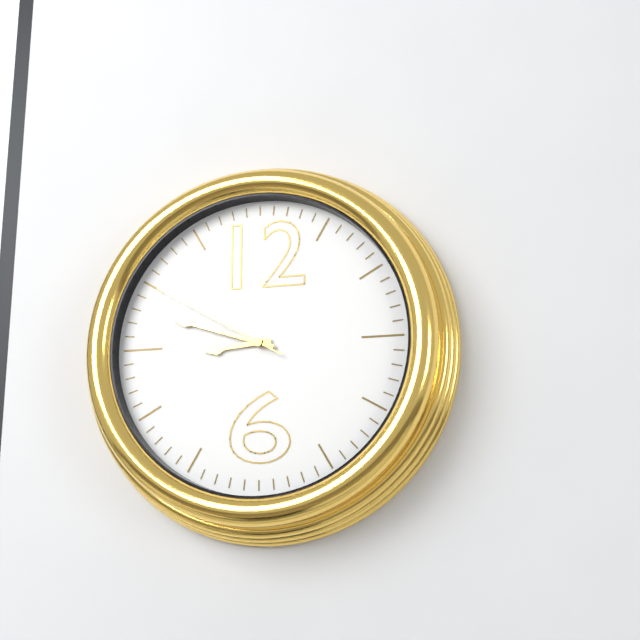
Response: 8:48:50
